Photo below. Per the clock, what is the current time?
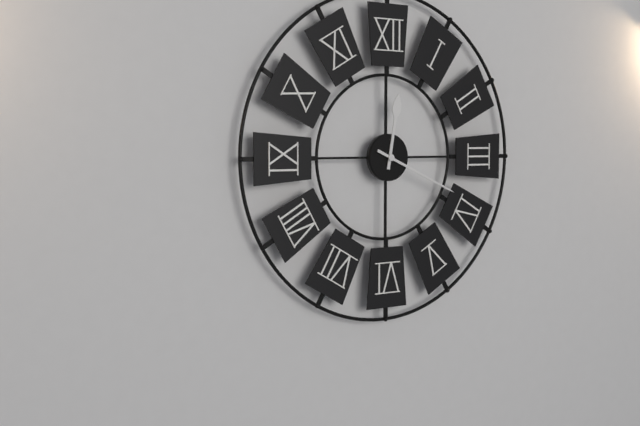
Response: 12:19
